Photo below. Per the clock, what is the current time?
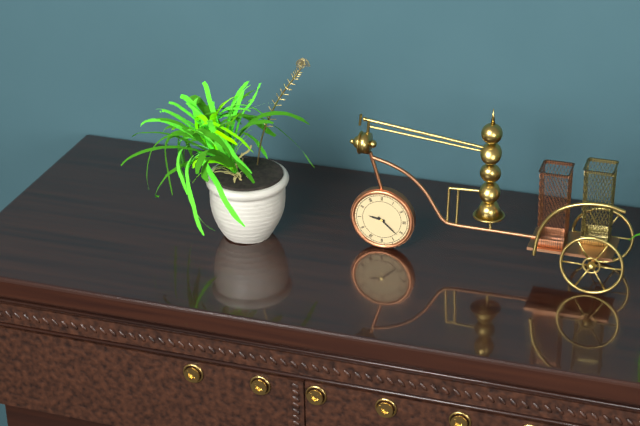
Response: 9:22
